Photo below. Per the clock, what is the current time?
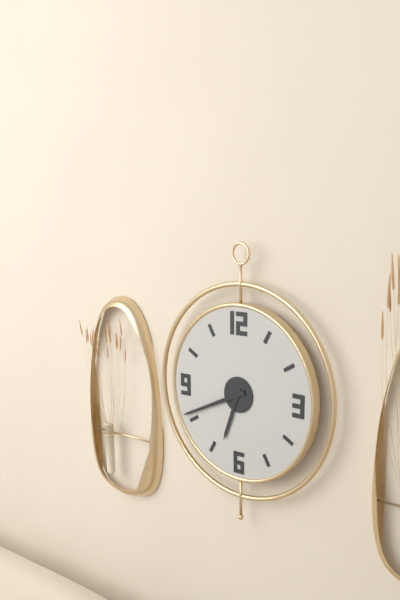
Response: 6:41
